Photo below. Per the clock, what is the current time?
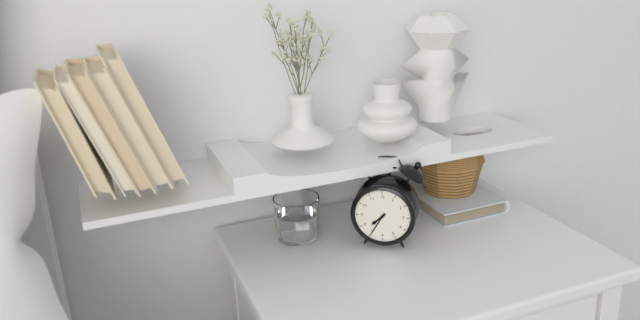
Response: 7:35
